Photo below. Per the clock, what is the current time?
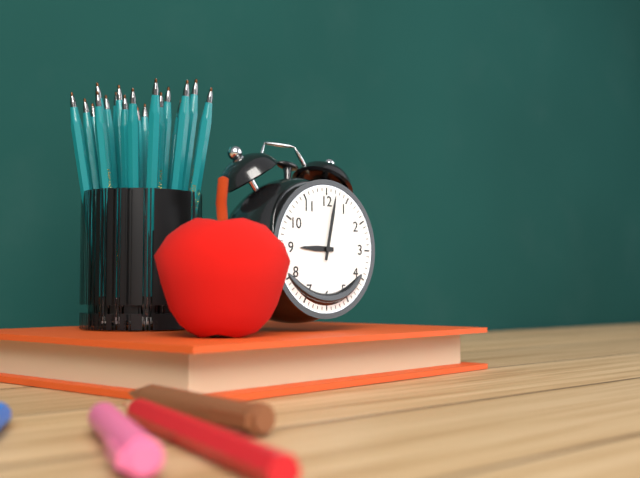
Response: 9:02
